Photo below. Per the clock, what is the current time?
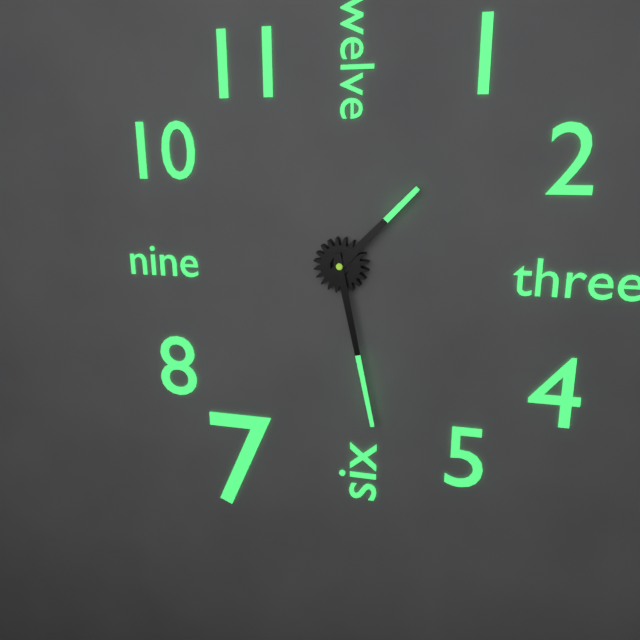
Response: 1:28
